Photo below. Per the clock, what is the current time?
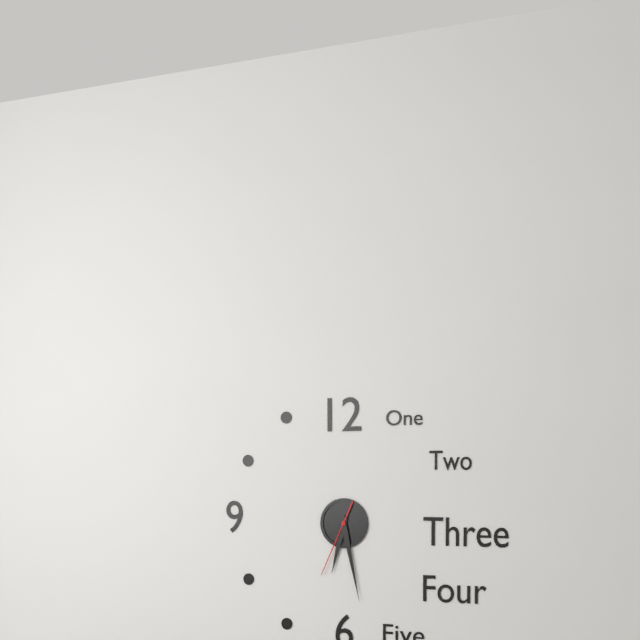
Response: 6:28:34
